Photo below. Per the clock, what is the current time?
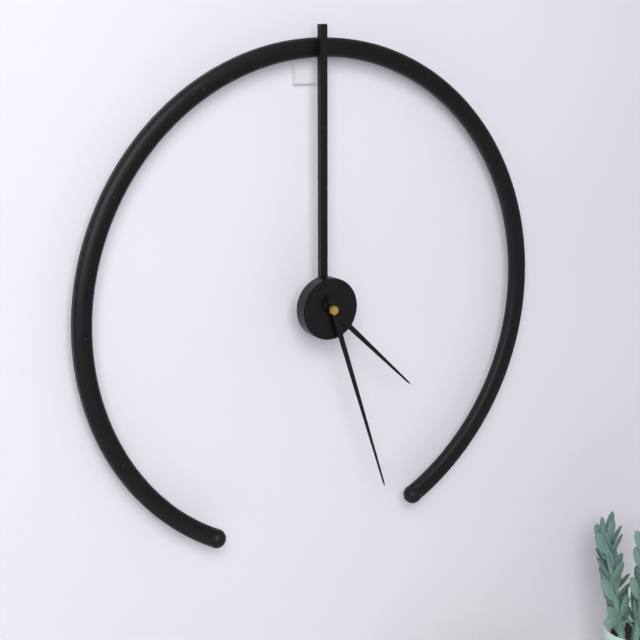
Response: 4:27
